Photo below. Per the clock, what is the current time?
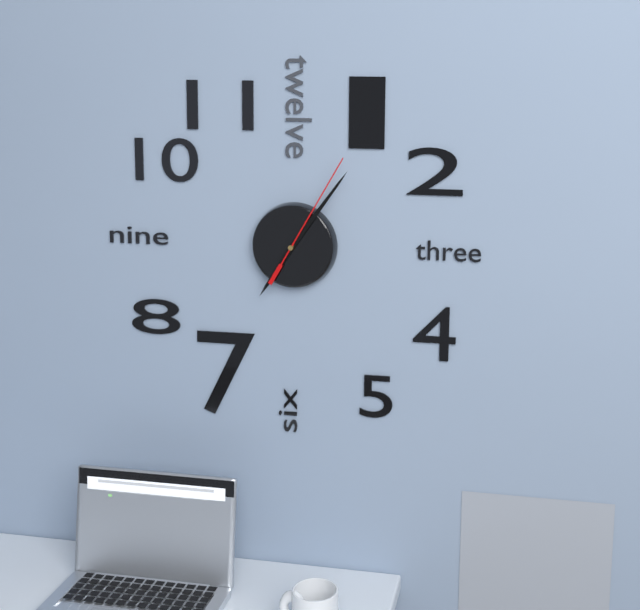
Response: 7:06:05
